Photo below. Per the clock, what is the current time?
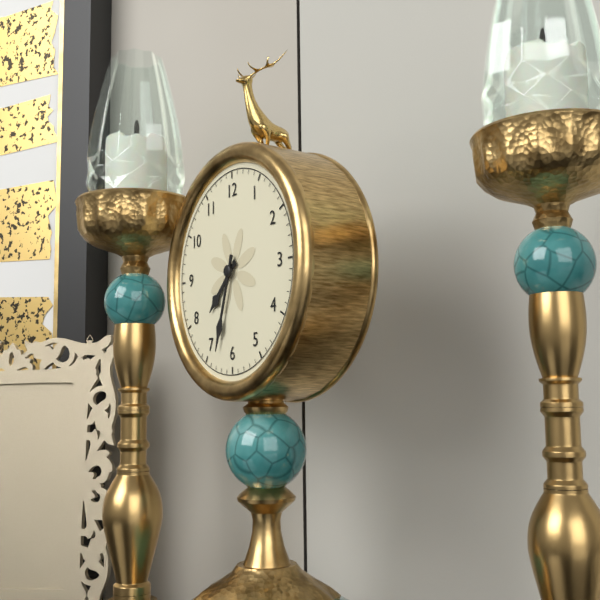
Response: 7:33
